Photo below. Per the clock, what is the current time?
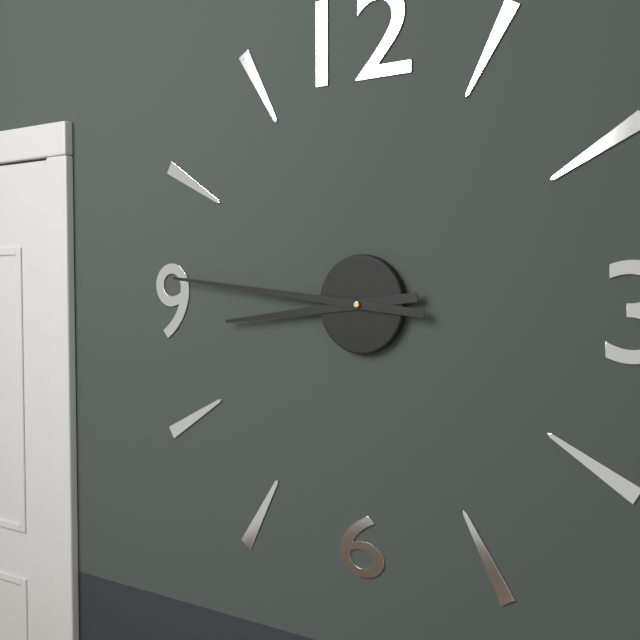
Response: 8:46
